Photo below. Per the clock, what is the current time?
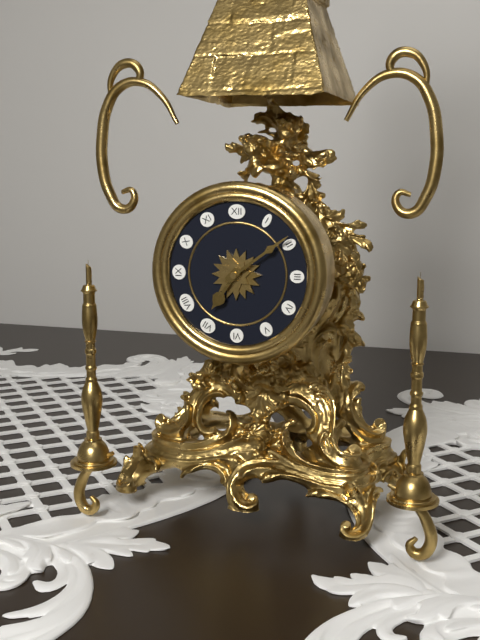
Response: 7:09
